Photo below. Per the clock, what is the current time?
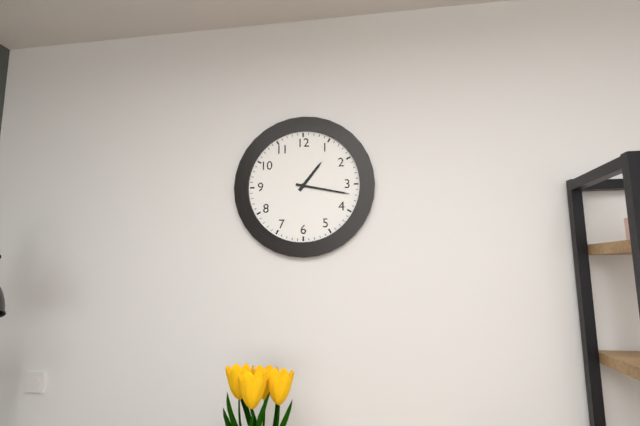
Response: 1:17
